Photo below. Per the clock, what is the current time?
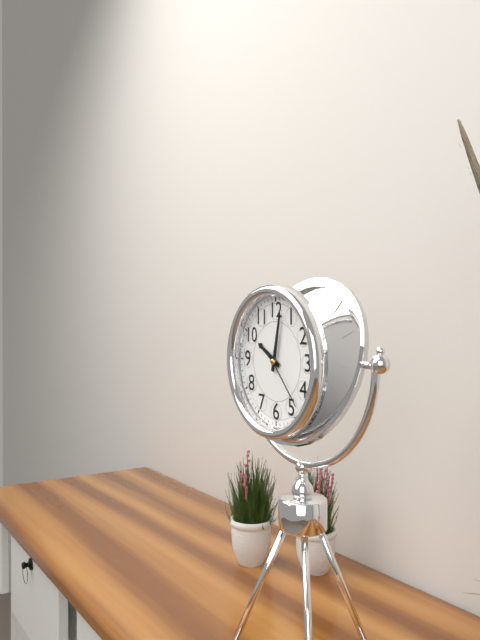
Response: 10:02:23
